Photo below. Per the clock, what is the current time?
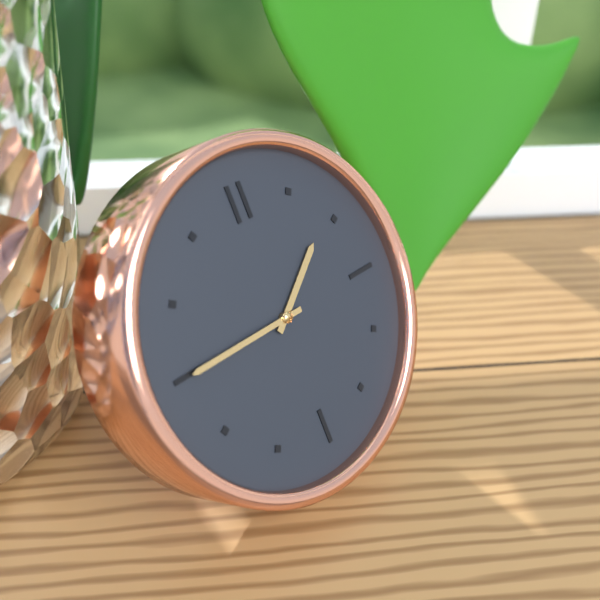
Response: 1:45
